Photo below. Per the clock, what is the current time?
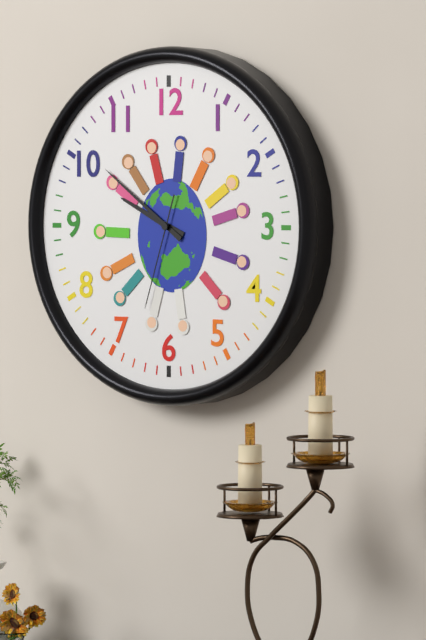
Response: 9:51:33
